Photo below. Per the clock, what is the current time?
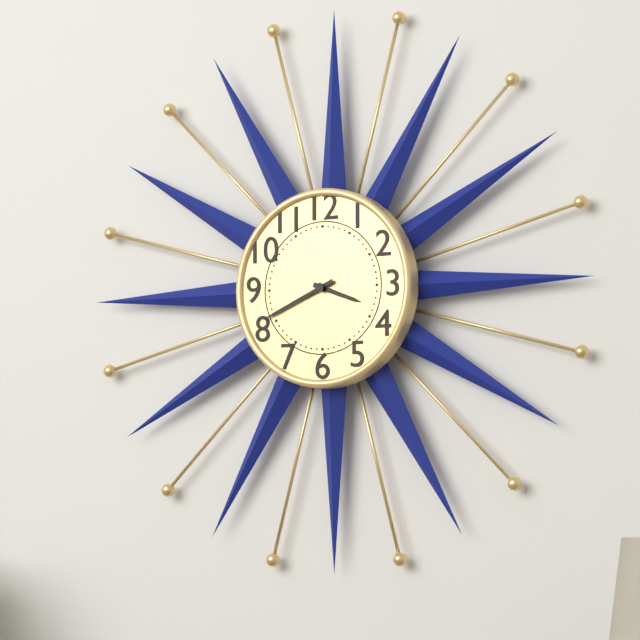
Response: 3:41
